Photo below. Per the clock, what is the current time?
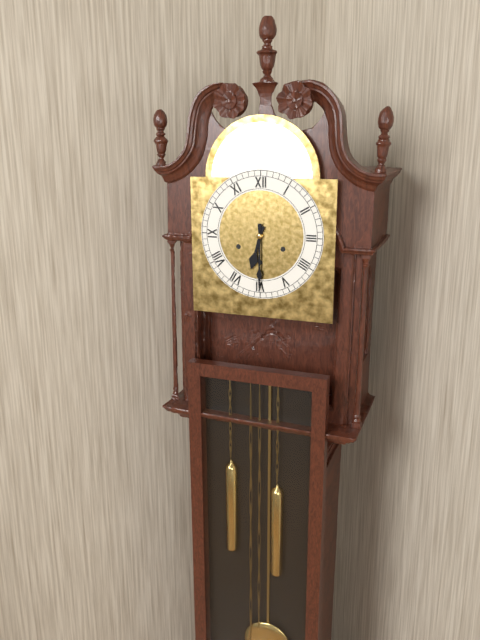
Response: 6:30
